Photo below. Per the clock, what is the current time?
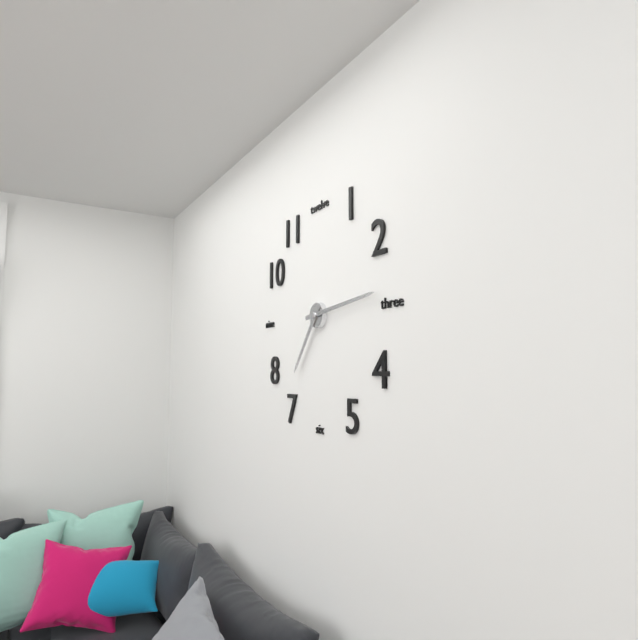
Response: 7:14
